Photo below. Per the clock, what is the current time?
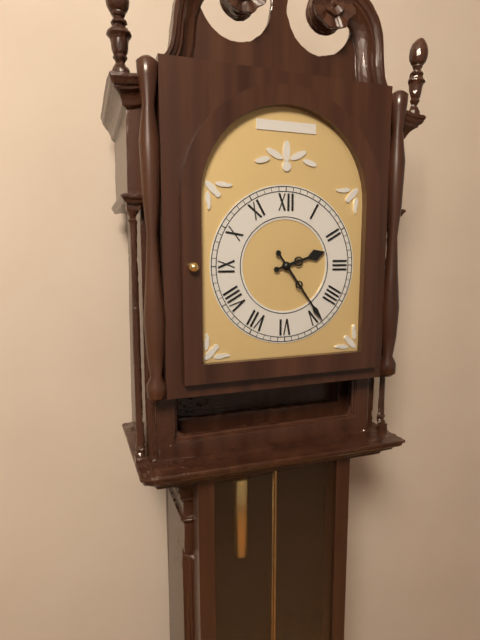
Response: 2:24
